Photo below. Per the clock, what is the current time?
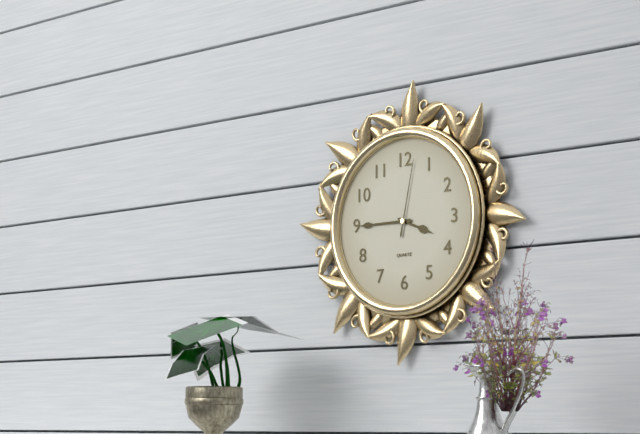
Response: 3:45:02
